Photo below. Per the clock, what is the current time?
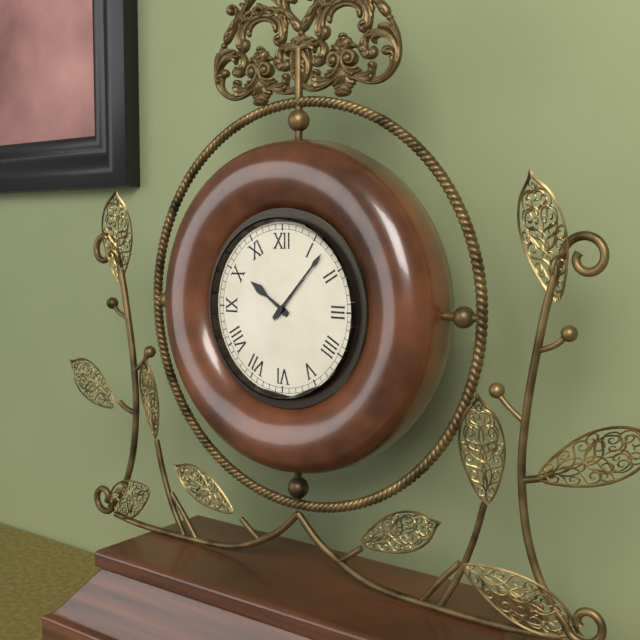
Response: 10:07
